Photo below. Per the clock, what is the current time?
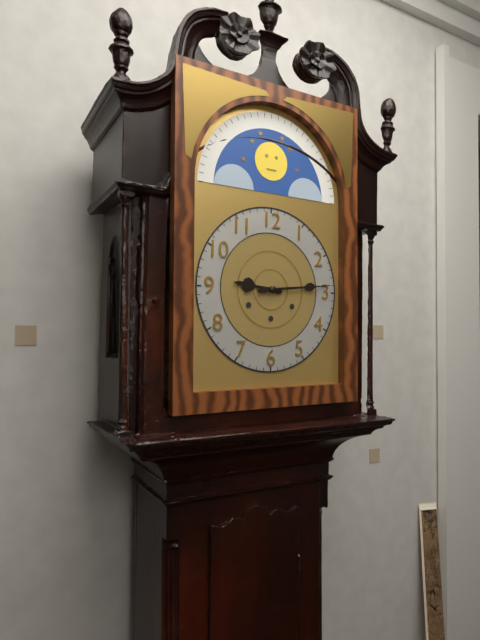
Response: 9:14
